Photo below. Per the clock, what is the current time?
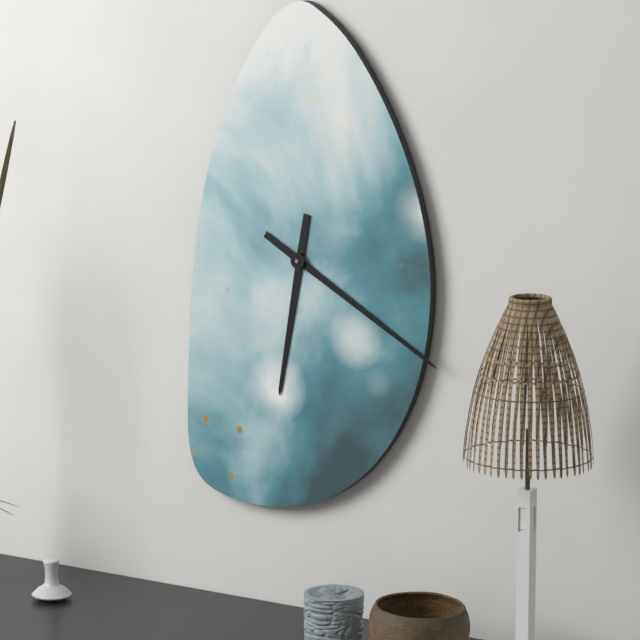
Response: 6:20
